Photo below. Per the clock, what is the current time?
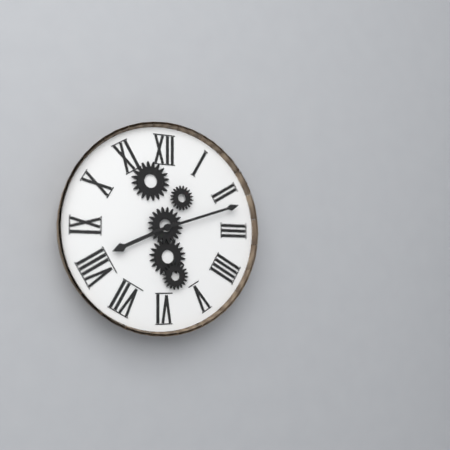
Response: 8:12
